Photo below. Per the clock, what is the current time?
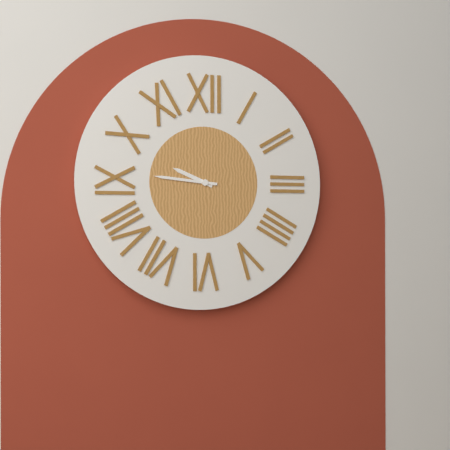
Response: 9:46
